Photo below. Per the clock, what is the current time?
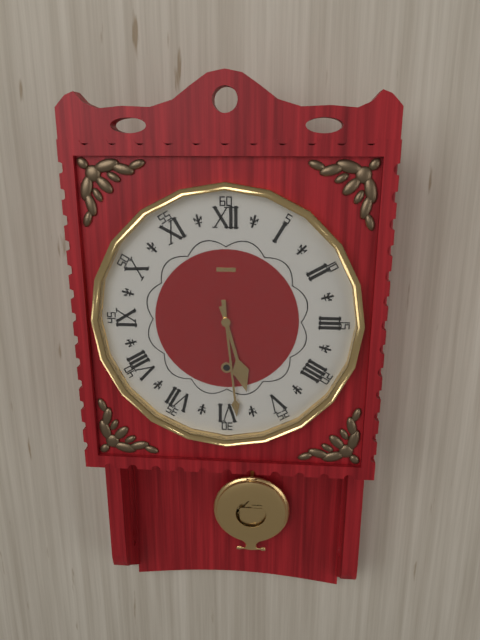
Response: 5:29
